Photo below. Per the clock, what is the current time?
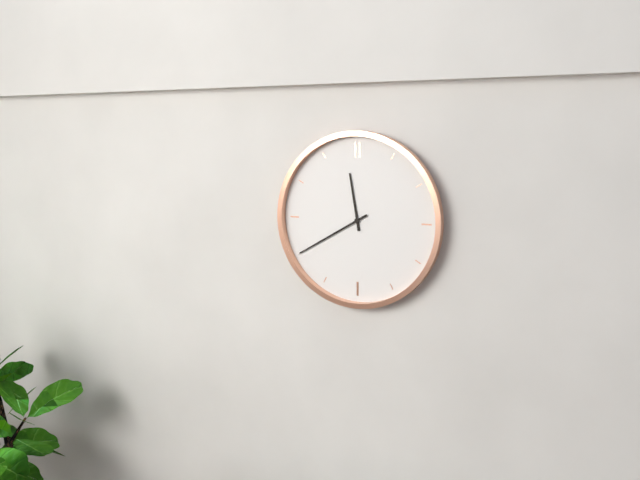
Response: 11:40
